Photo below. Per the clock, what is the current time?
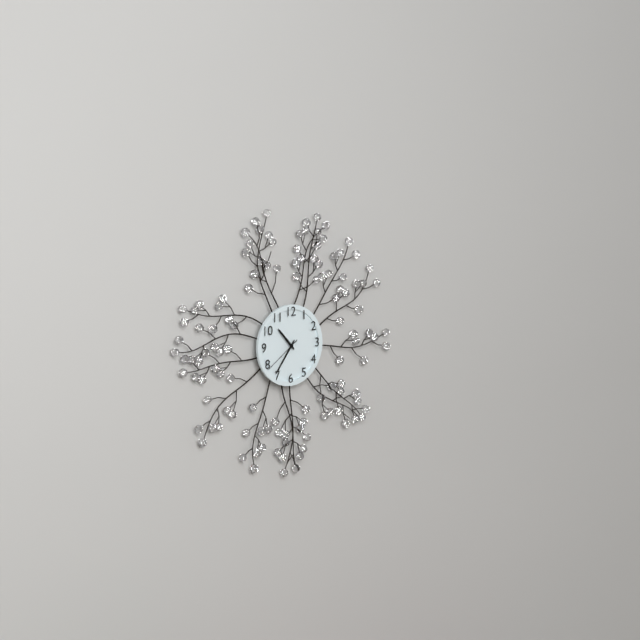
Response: 10:36
